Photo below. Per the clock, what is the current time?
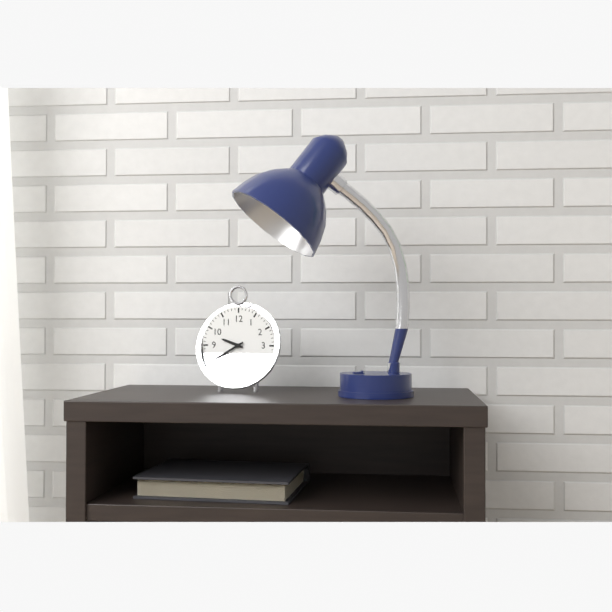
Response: 9:40
